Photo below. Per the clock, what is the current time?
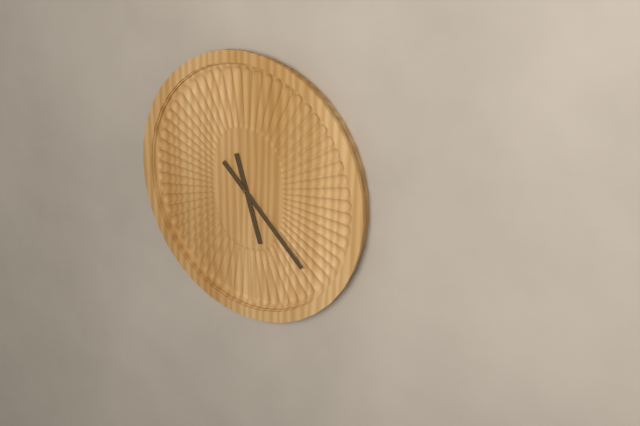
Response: 5:22
